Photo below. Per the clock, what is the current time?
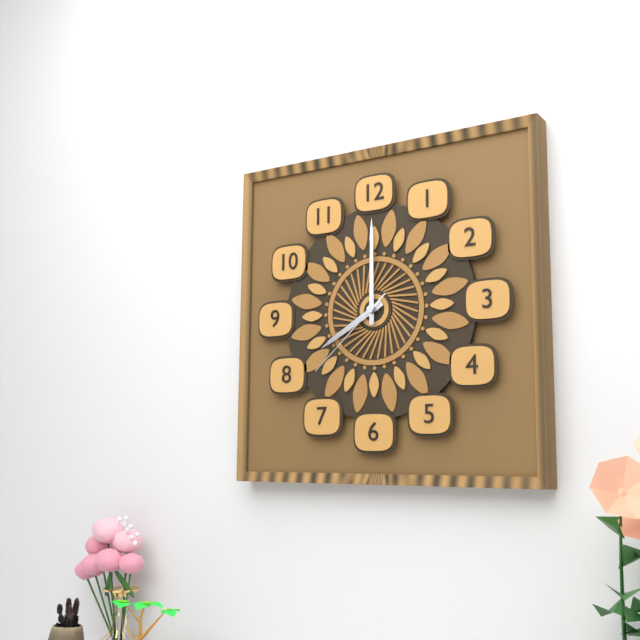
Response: 8:00:38
